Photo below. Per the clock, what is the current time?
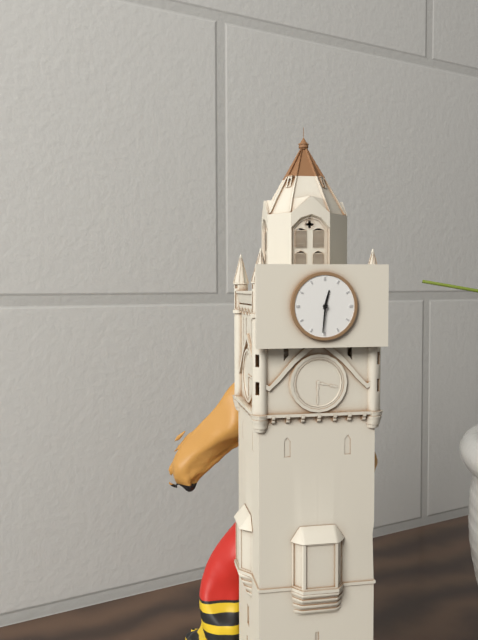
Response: 12:31
